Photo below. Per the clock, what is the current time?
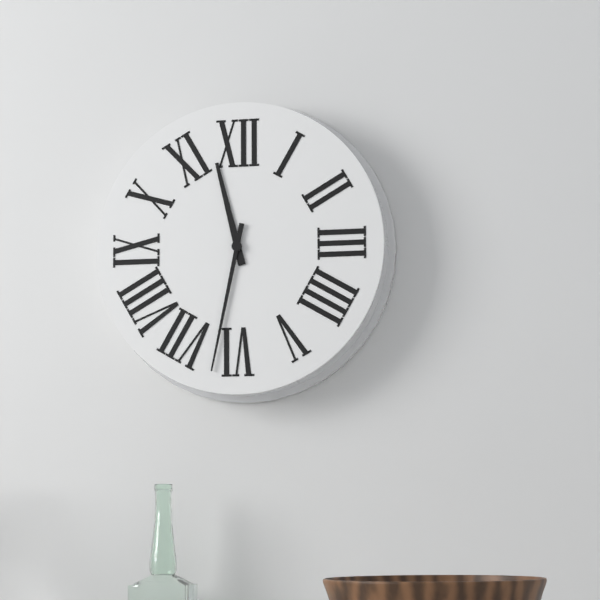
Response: 11:32
